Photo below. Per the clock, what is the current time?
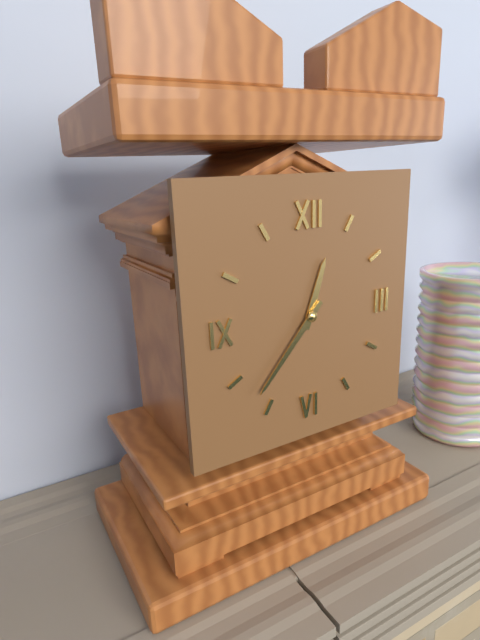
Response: 12:37
